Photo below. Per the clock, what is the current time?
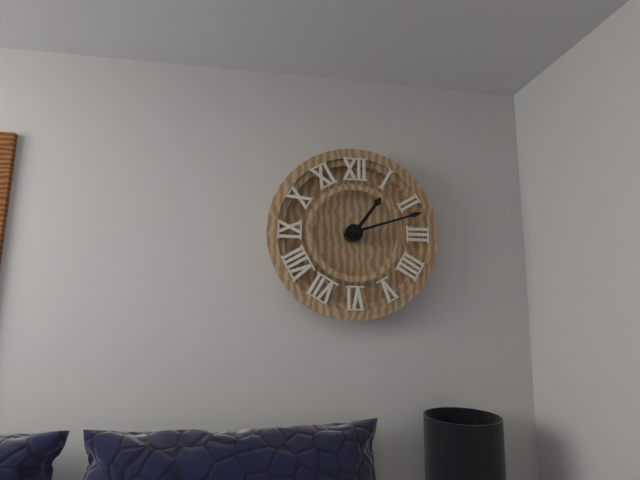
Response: 1:12
